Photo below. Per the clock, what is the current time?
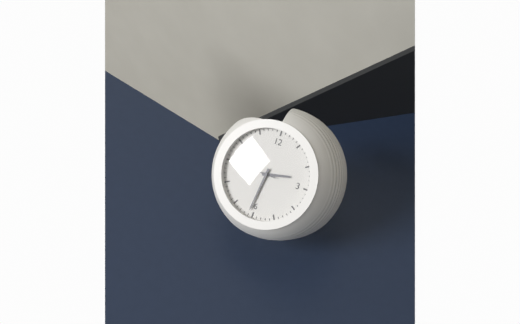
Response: 2:31
